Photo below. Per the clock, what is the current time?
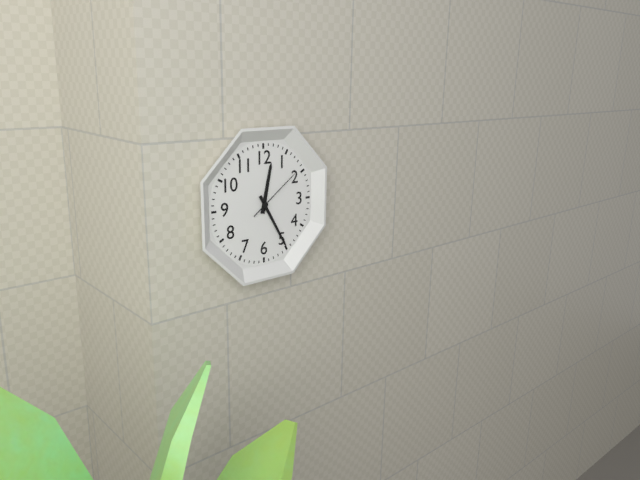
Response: 12:25:09
